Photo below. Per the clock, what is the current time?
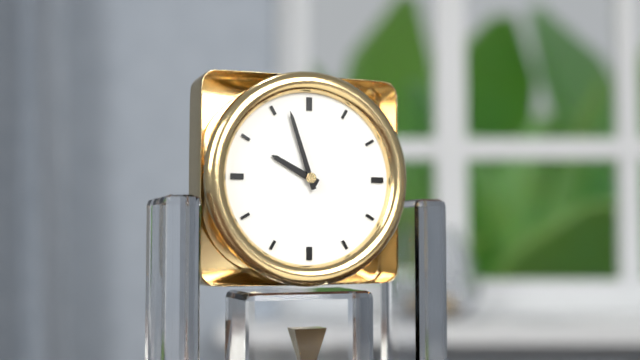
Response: 9:57
